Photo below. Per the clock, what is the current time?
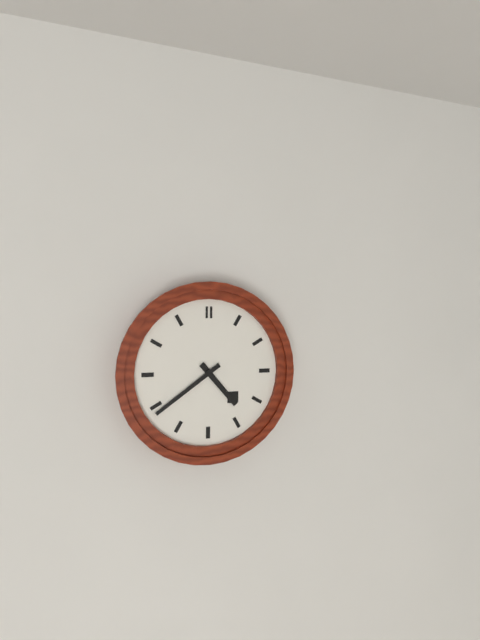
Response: 4:39
